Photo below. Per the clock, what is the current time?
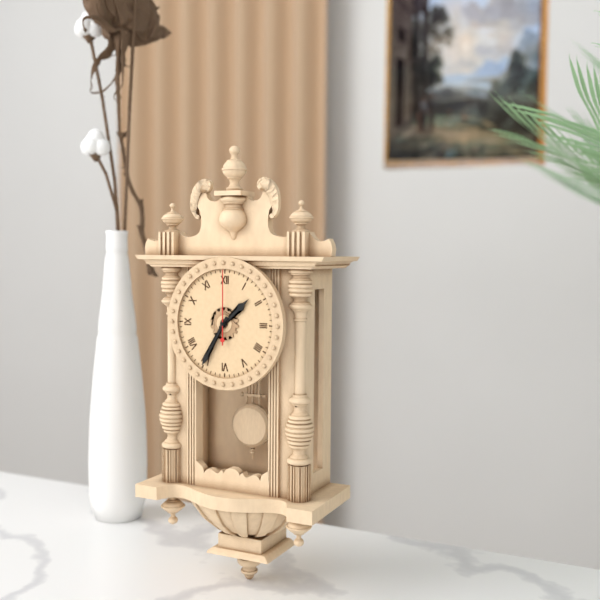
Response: 1:35:00
